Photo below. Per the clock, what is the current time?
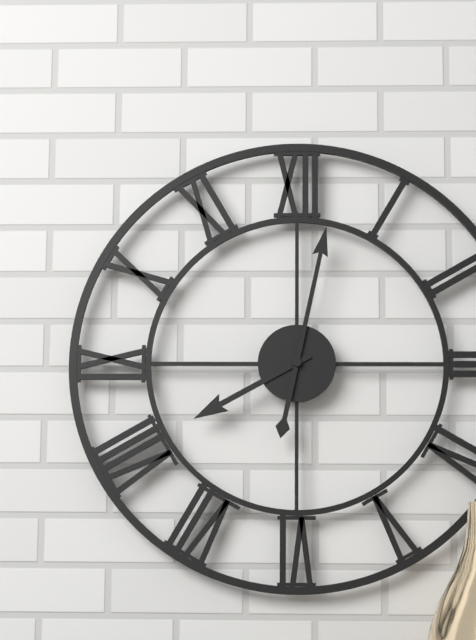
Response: 8:02
